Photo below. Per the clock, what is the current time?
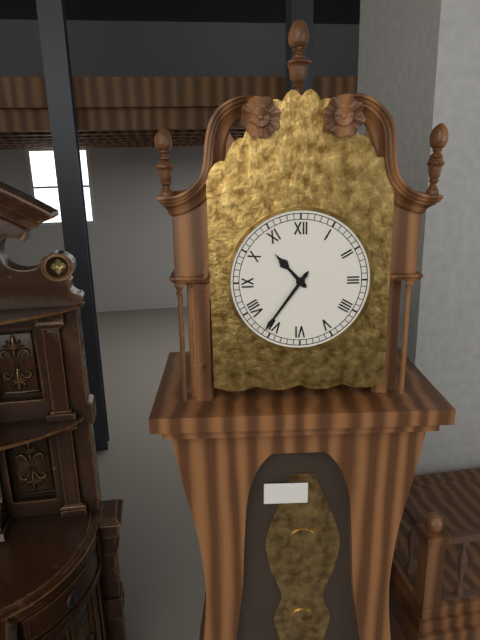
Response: 10:36
